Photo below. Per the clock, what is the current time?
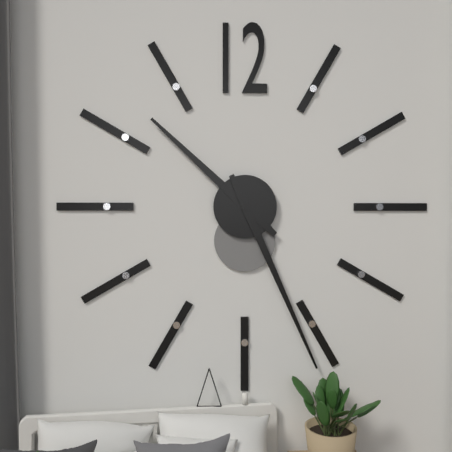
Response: 10:26
